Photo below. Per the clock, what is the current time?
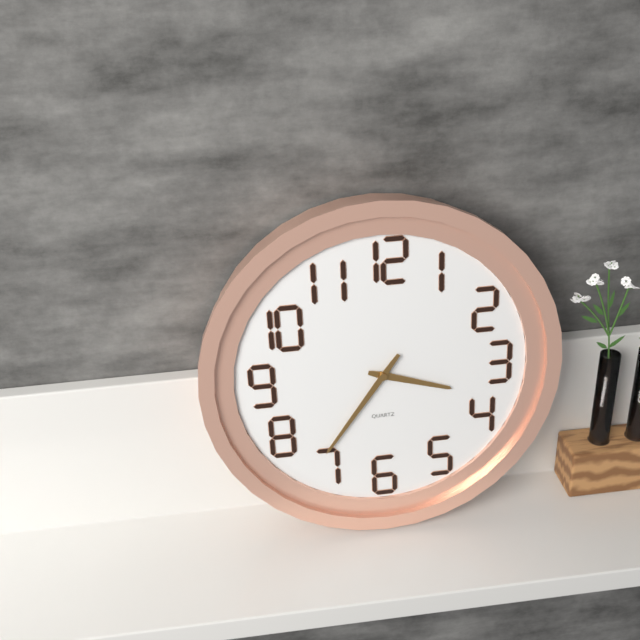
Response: 3:36
